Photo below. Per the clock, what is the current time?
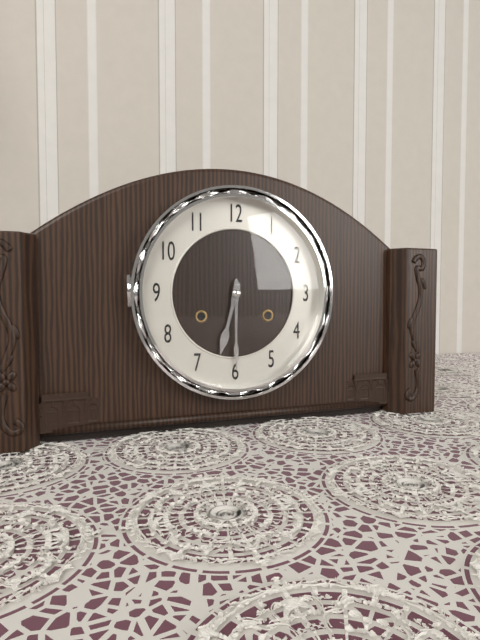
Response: 6:30
